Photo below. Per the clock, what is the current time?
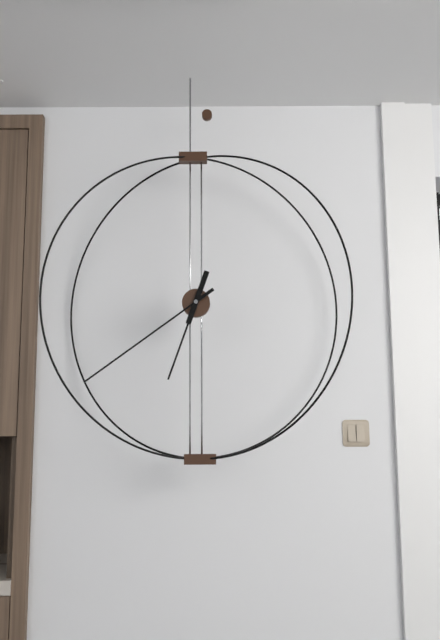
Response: 6:39
